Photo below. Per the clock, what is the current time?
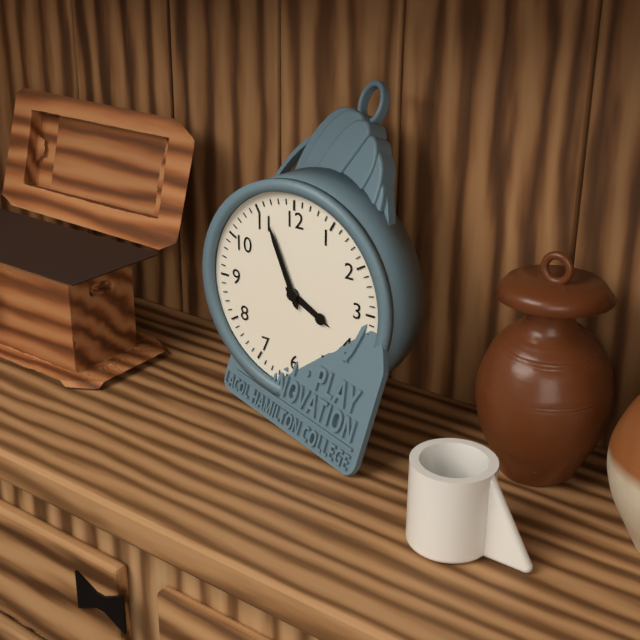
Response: 3:56
